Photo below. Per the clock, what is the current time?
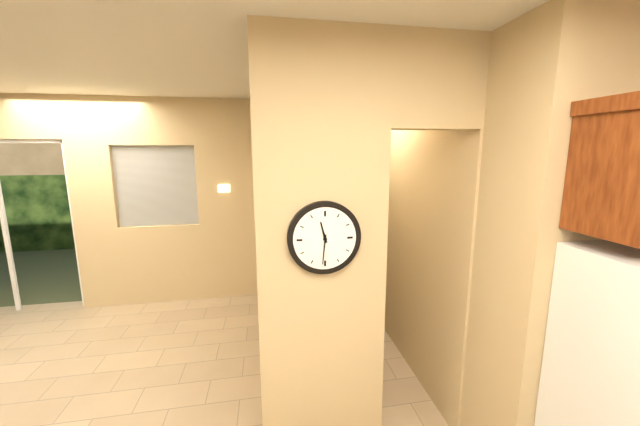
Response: 11:31
